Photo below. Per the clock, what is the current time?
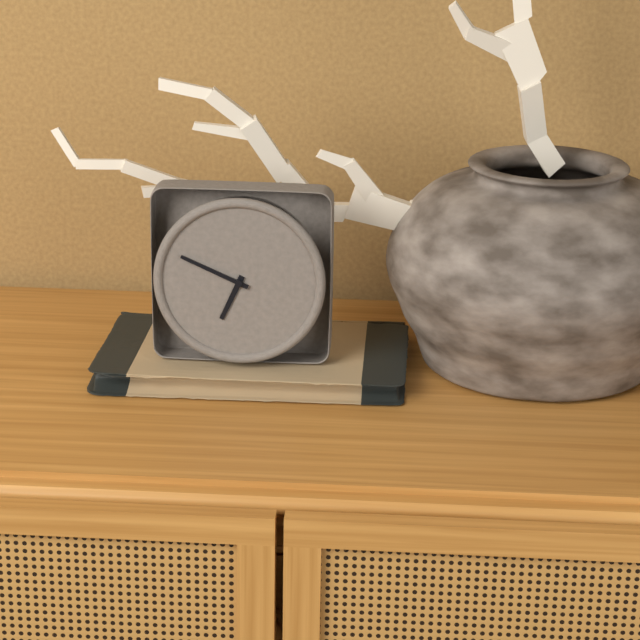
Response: 6:49
